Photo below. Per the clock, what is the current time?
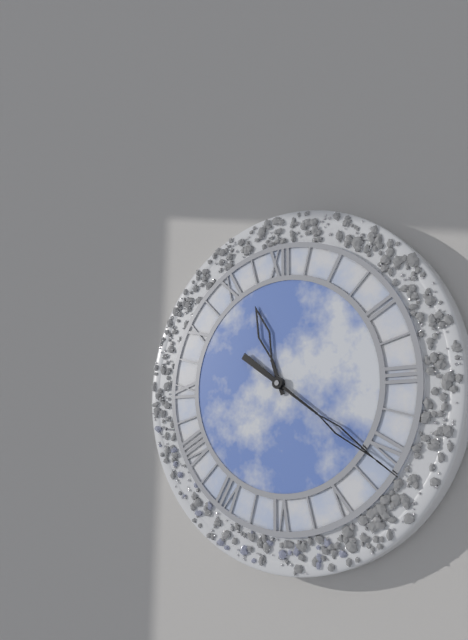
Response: 11:21
